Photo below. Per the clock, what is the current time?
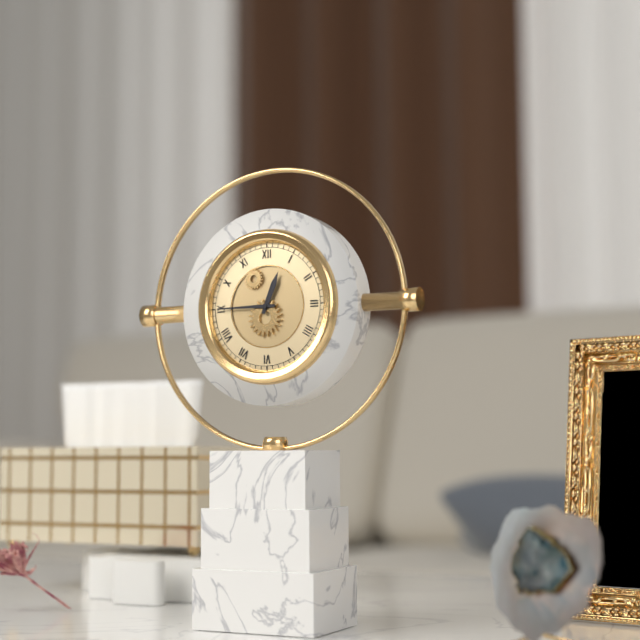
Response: 12:45
